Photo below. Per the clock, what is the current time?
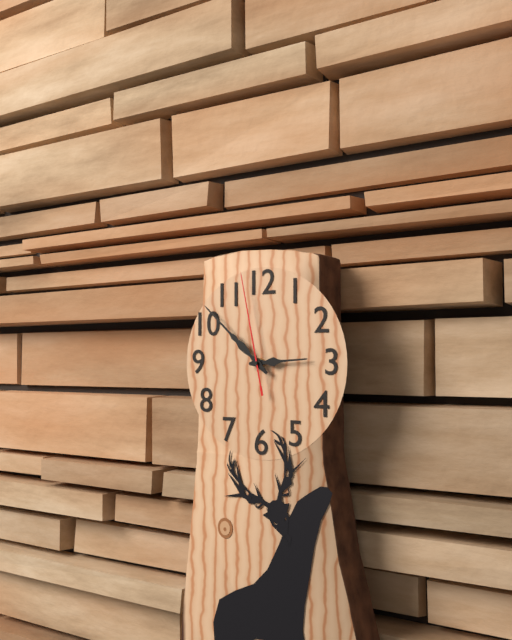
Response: 2:52:58
